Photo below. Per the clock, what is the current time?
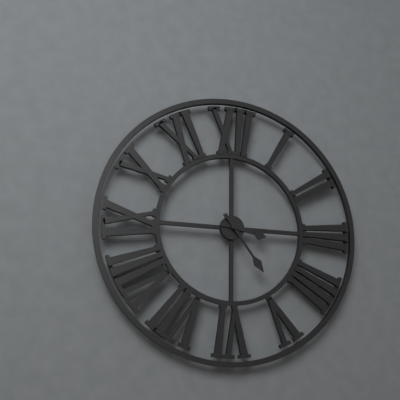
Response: 3:24
